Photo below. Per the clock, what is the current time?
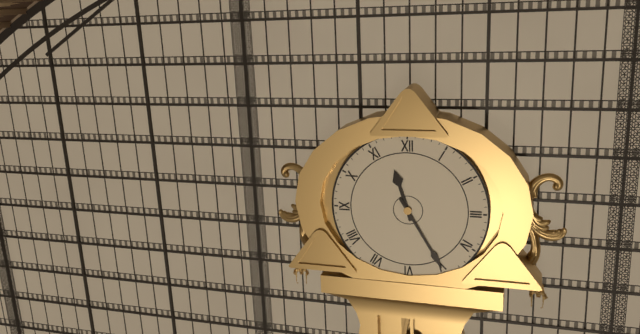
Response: 11:25
